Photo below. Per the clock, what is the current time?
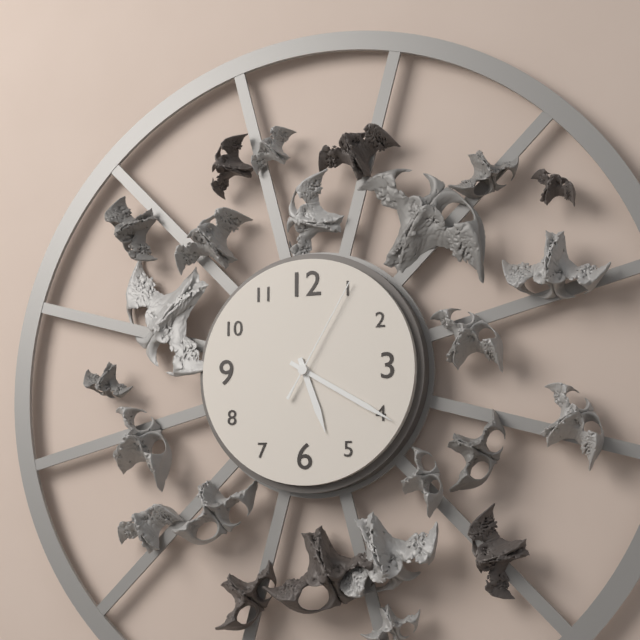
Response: 5:20:05
